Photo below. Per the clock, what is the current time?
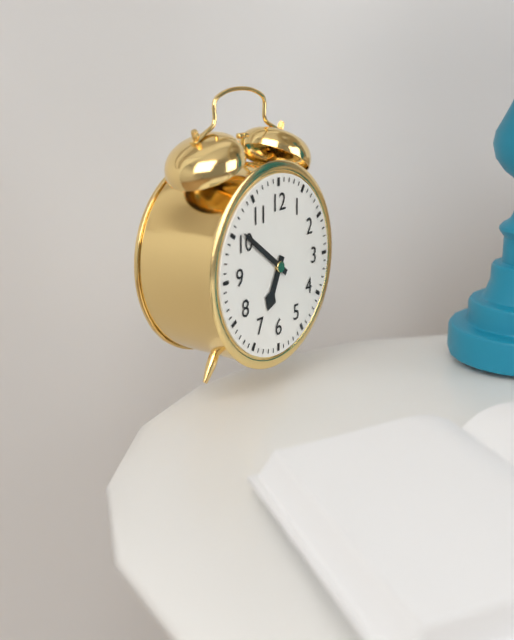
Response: 6:51
